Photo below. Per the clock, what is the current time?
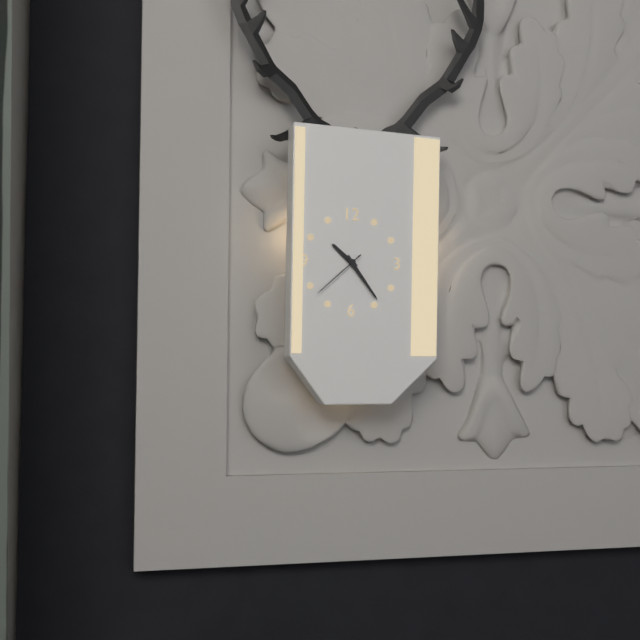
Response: 10:24:38
